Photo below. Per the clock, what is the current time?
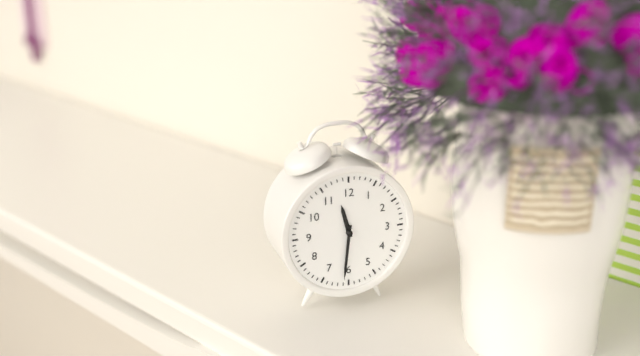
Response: 11:31
